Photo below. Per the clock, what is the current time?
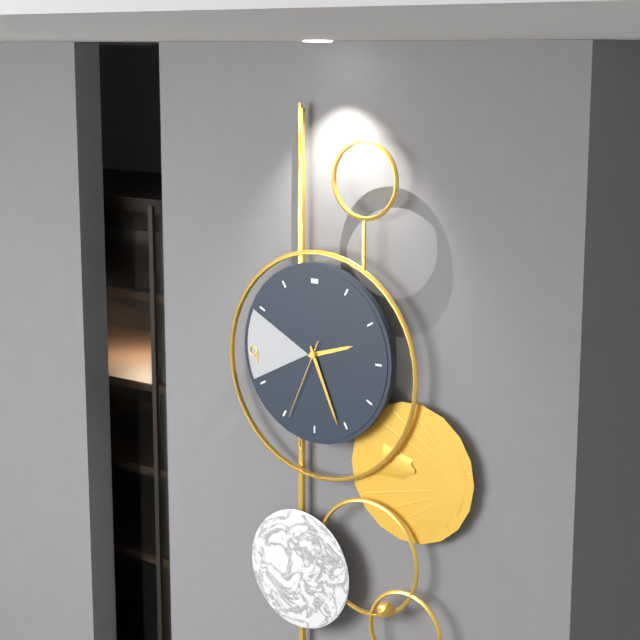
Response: 2:26:34
